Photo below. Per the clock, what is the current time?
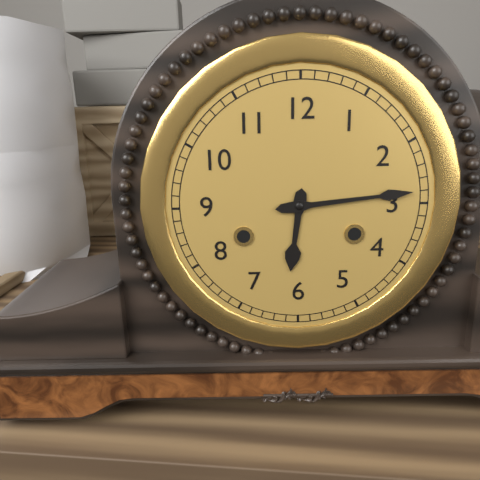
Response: 6:14
